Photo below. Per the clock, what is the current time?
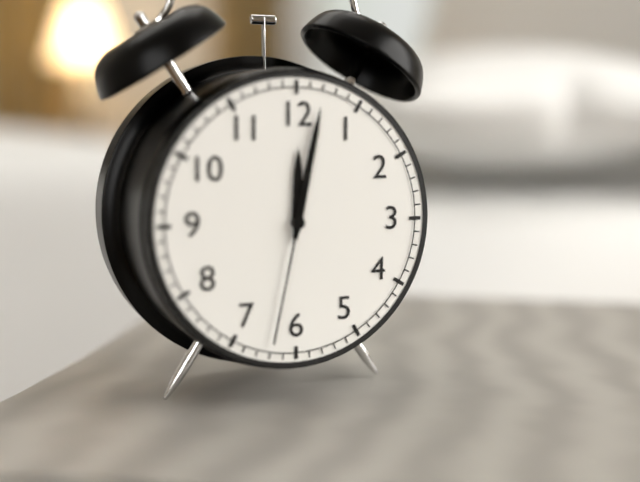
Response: 12:02:32
